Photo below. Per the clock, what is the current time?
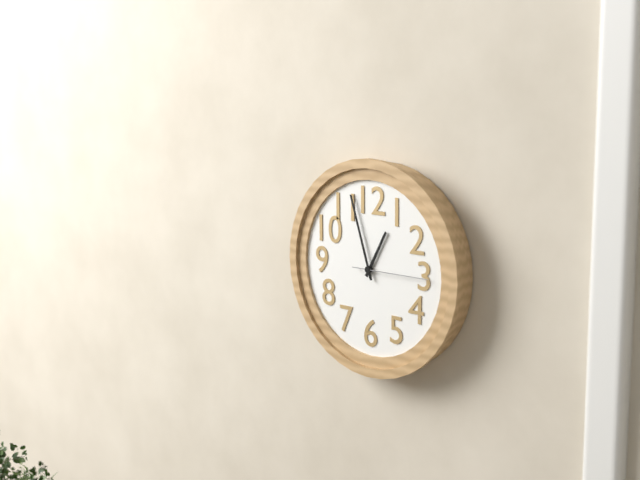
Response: 12:57:15
